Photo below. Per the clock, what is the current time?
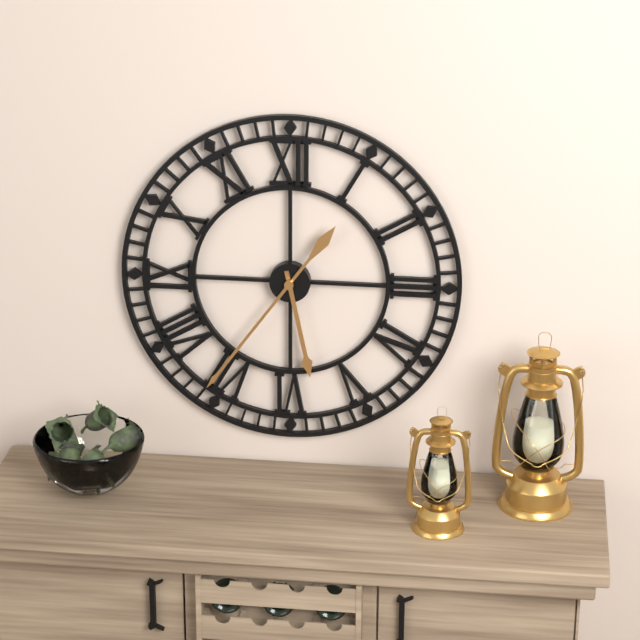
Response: 5:36
